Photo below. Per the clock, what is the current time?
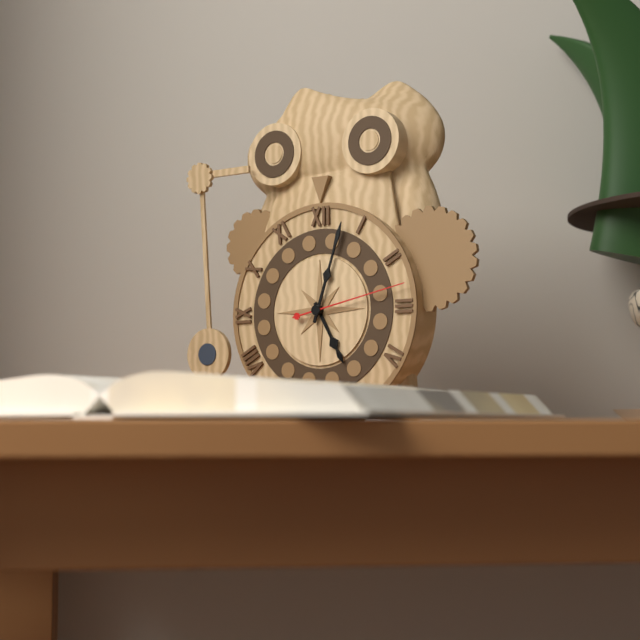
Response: 5:03:13
